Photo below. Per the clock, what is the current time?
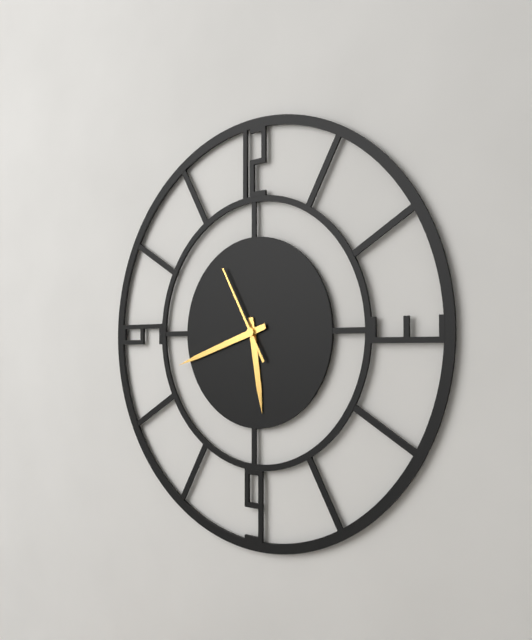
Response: 5:42:55
